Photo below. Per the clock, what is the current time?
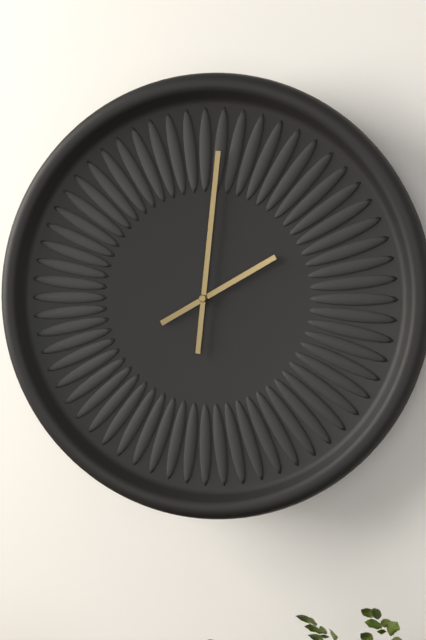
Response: 2:01
